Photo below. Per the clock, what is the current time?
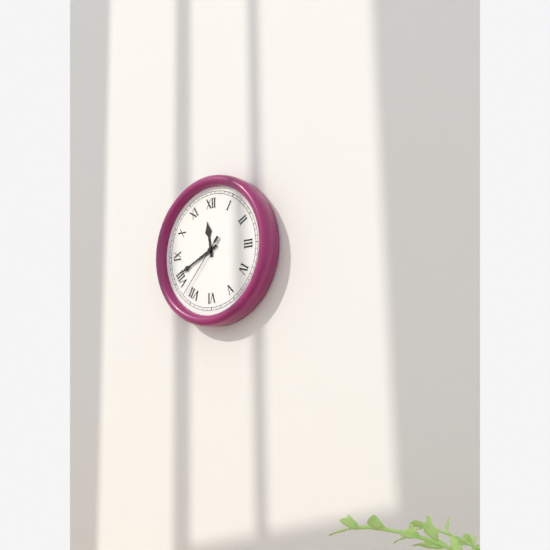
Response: 11:41:37
